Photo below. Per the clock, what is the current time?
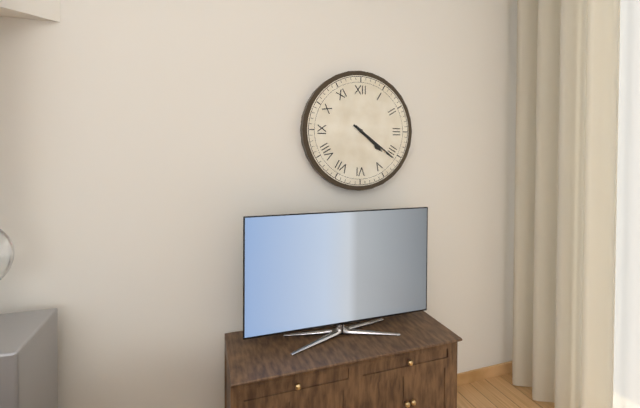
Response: 4:21
